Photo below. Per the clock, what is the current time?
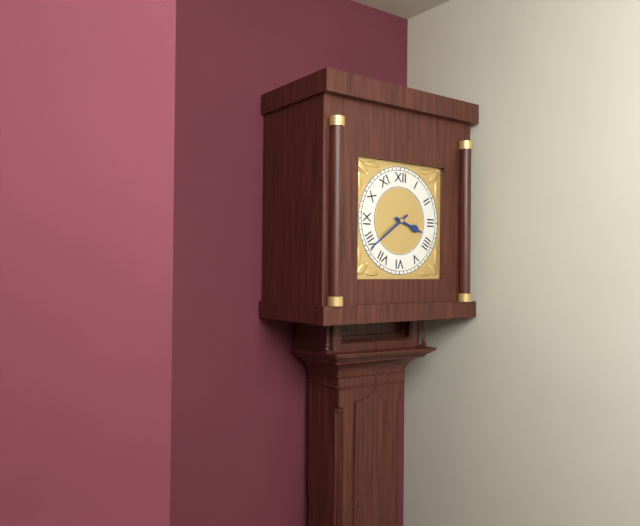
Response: 3:39
